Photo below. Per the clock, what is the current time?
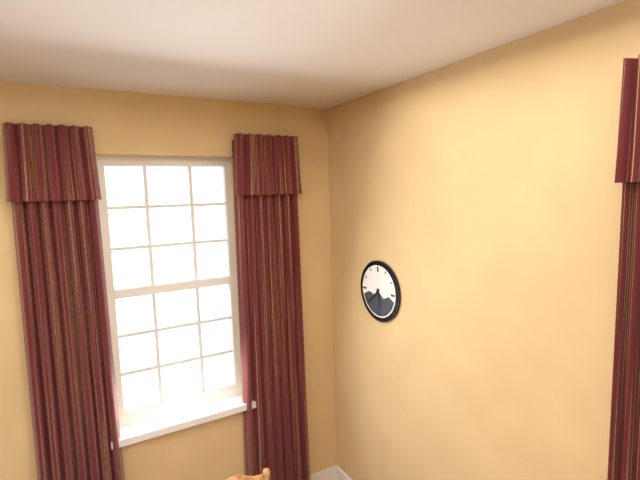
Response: 5:38
